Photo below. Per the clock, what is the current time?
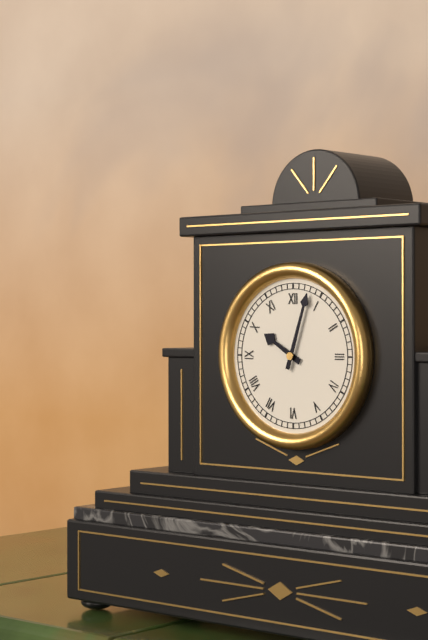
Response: 10:03
